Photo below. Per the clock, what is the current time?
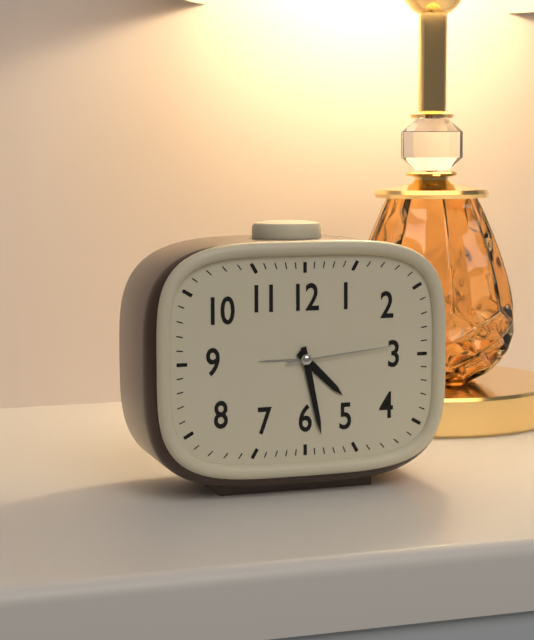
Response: 4:28:14
